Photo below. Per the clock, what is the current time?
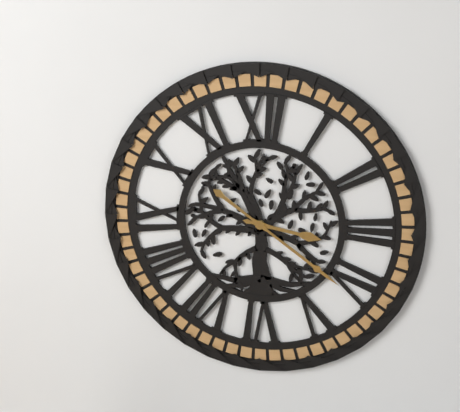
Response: 3:21
